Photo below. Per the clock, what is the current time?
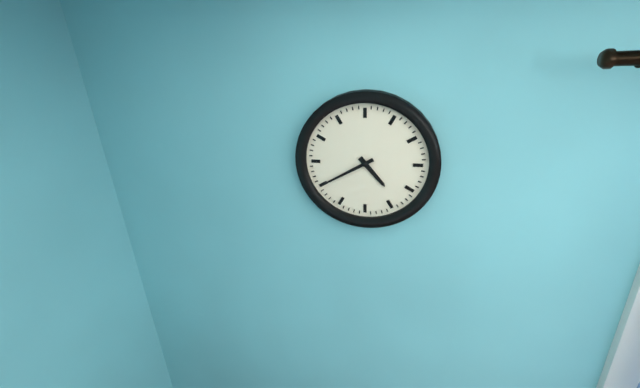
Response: 4:40
